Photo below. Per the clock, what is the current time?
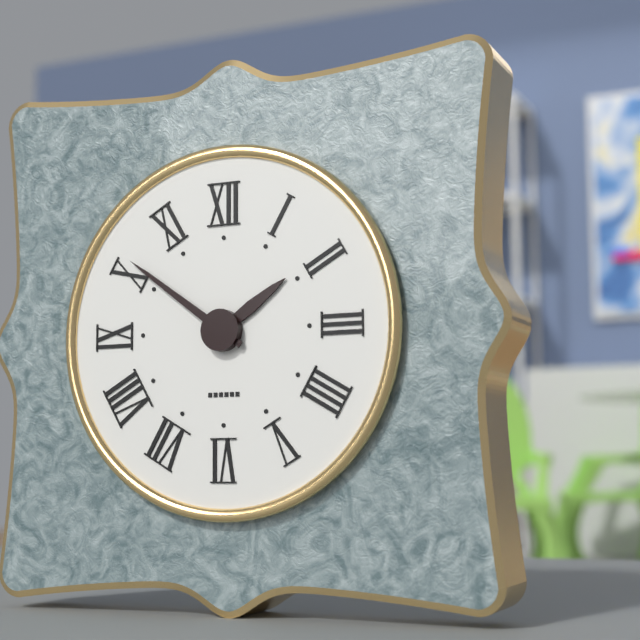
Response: 1:51
